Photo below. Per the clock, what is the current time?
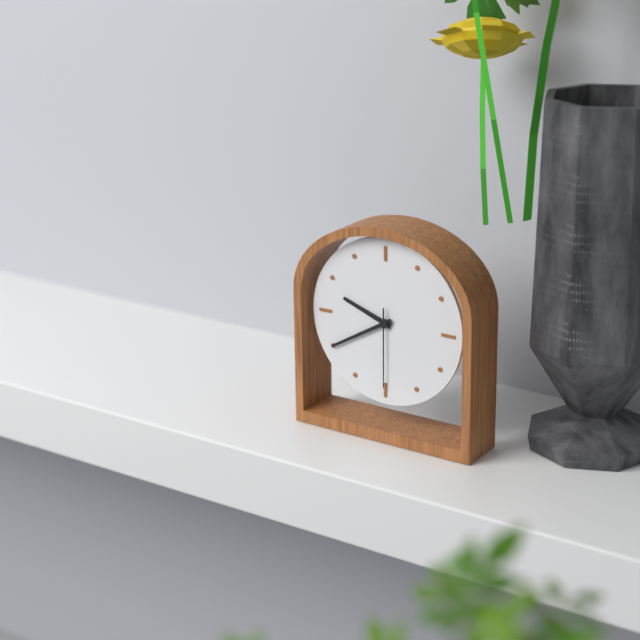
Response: 9:40:30
